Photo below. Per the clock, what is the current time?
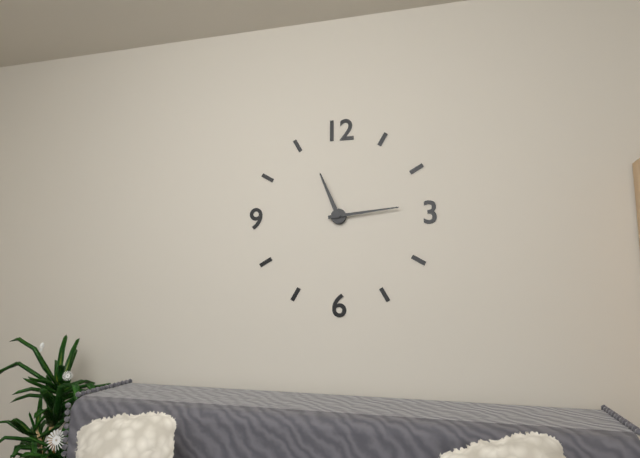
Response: 11:14
